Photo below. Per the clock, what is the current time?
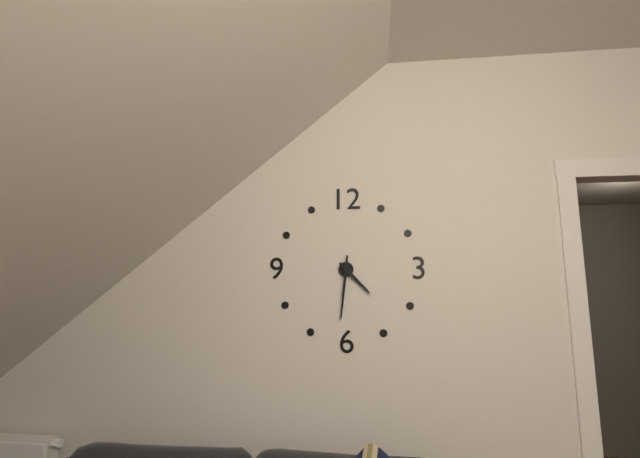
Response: 4:31
